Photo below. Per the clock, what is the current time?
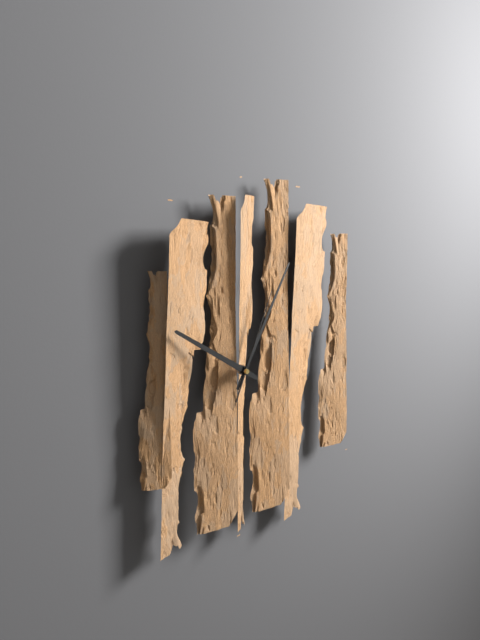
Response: 10:05:04
